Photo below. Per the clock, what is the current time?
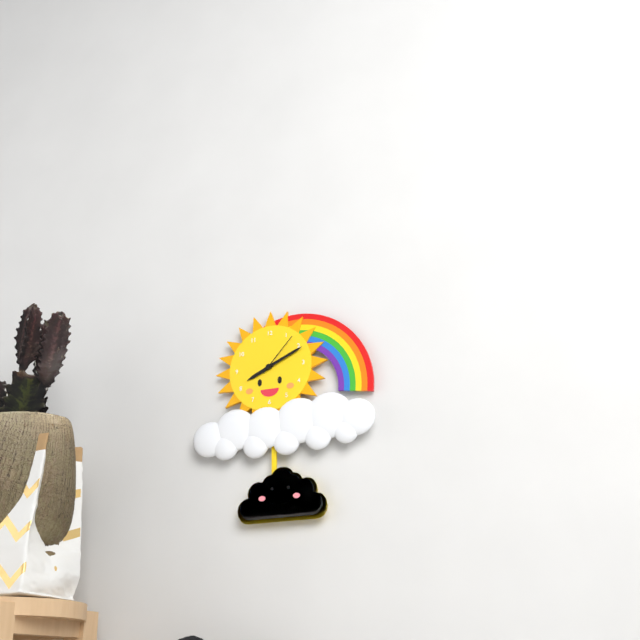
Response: 8:11
